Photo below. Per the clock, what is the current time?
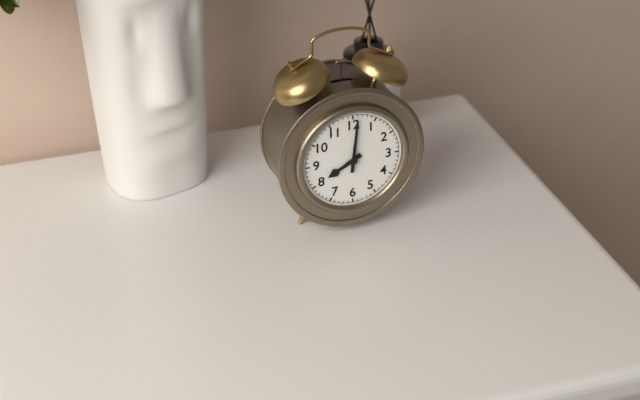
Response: 8:01
